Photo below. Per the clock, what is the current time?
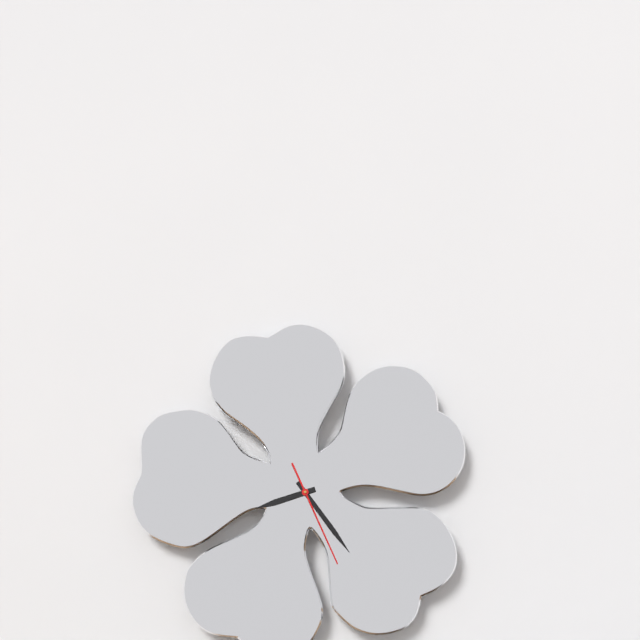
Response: 8:24:26
